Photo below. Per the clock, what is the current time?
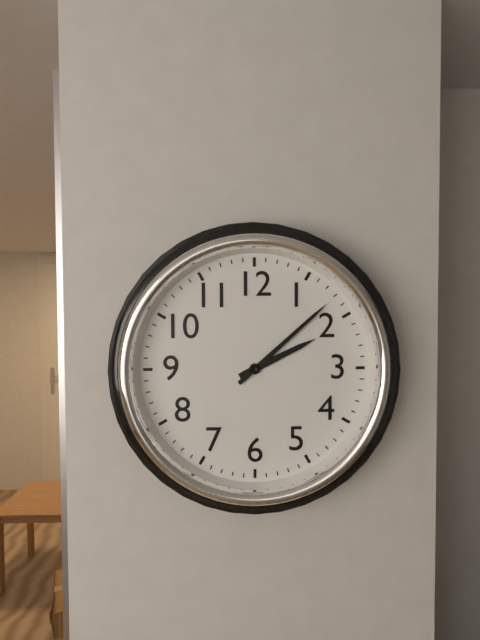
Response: 2:08
